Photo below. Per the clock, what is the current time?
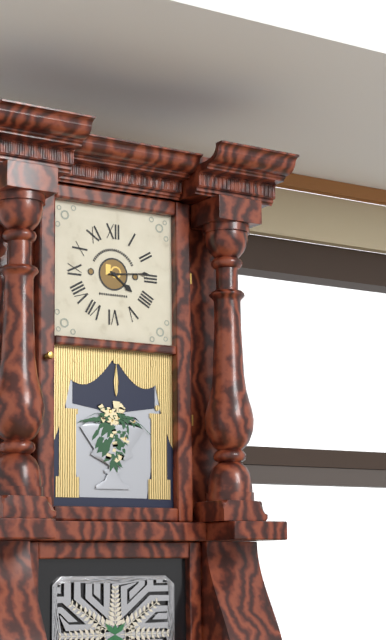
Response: 4:14
